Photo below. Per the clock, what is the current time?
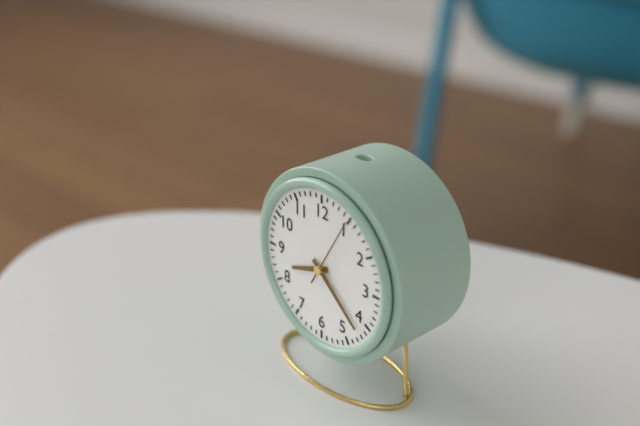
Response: 8:22:05
